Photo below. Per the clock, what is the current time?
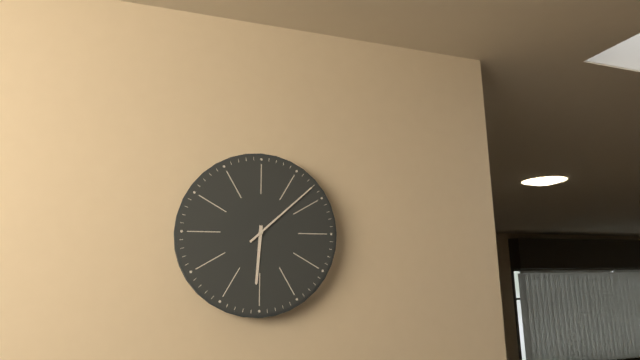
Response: 6:08
